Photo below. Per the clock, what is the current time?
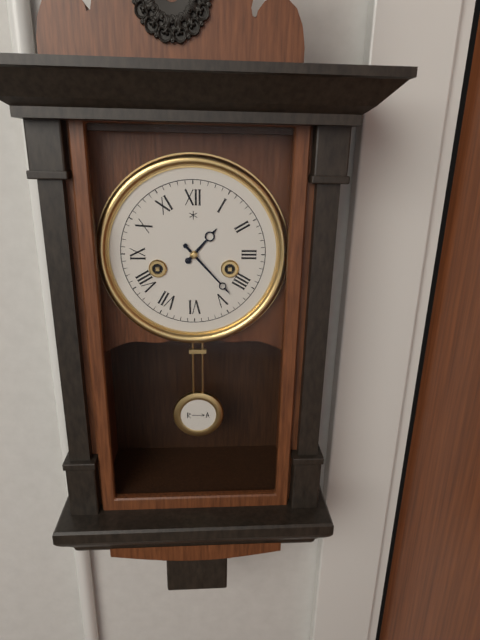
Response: 1:23
